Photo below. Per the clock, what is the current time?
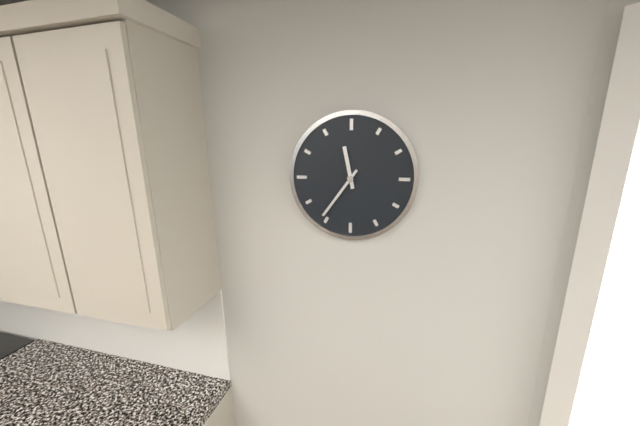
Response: 11:36
